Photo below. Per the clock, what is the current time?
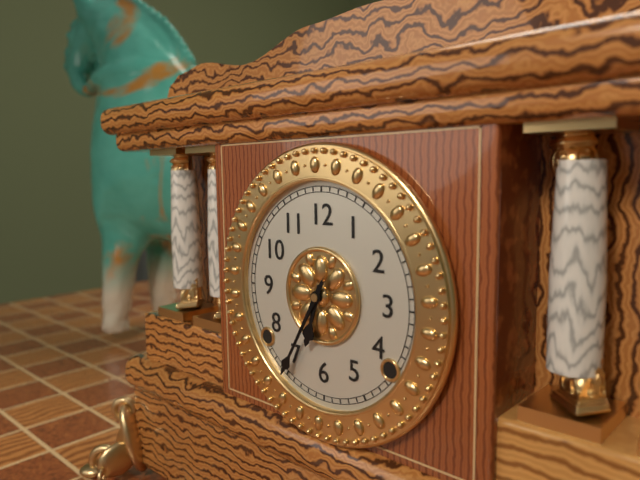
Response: 6:35
